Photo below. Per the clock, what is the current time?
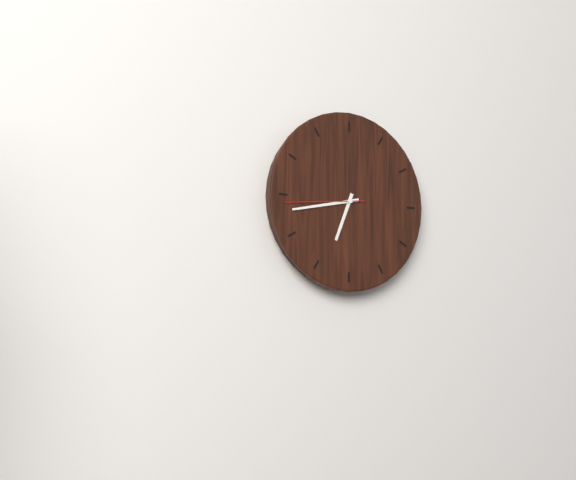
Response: 6:43:44
